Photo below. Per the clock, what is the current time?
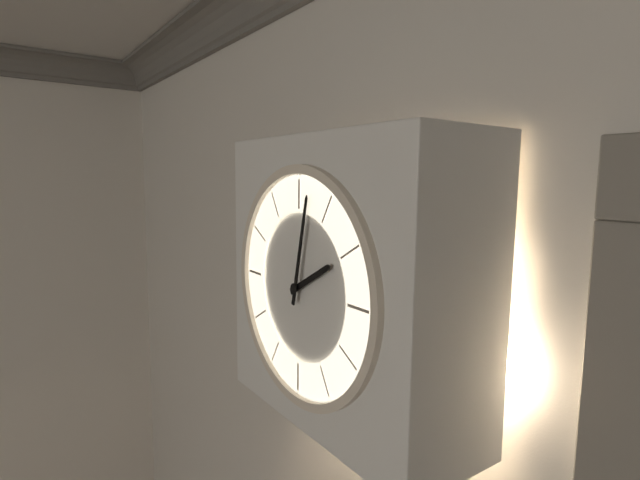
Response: 2:02
